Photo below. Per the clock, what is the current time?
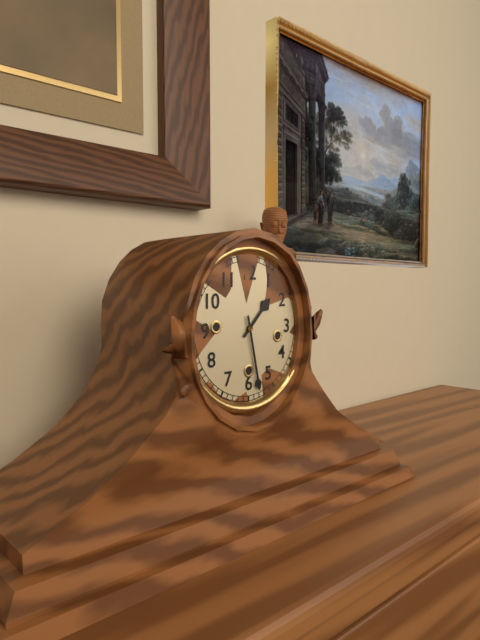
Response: 1:28
